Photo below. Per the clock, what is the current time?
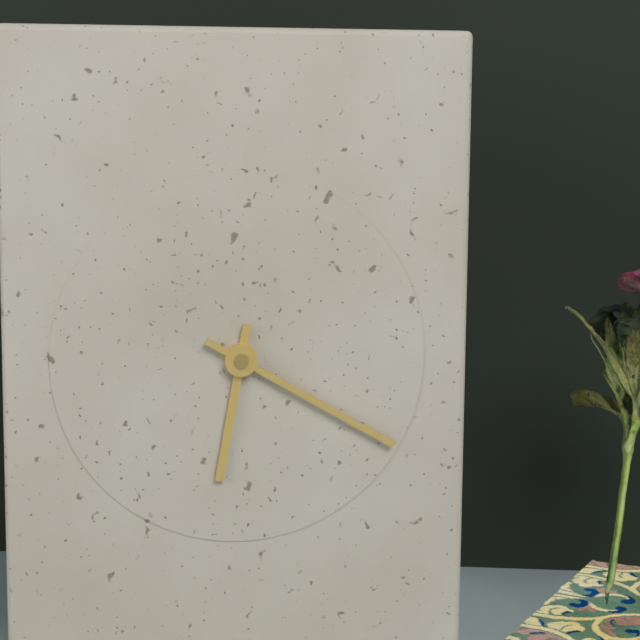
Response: 6:20
